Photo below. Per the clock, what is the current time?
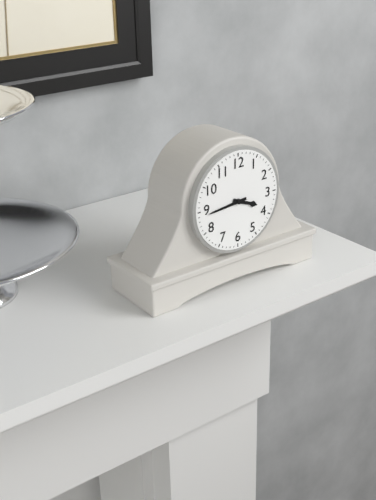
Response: 3:44
